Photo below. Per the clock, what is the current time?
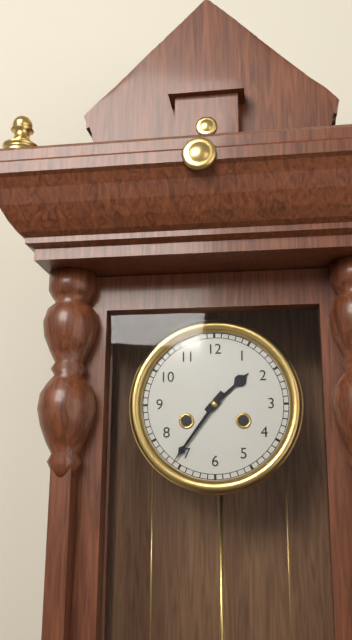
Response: 1:36
